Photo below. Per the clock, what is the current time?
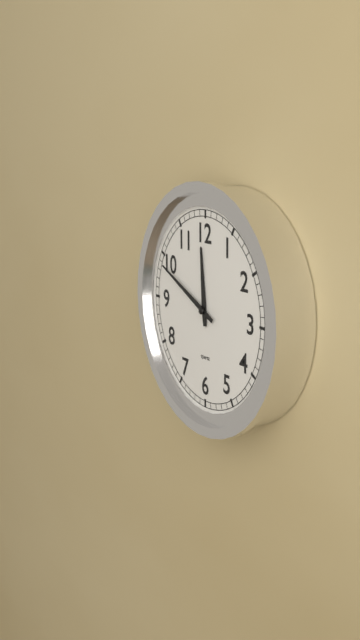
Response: 11:49
